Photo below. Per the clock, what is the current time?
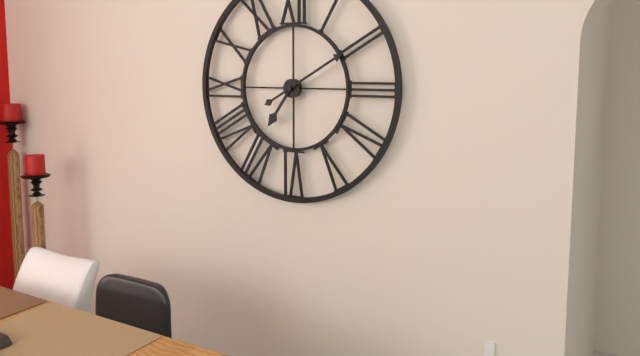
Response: 7:10
